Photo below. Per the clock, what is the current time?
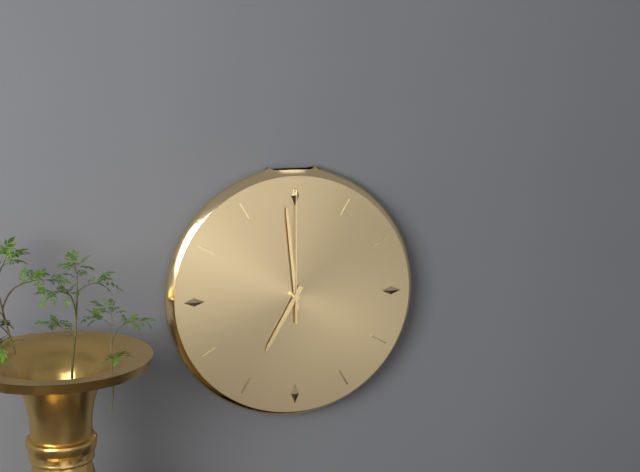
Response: 6:59:00
